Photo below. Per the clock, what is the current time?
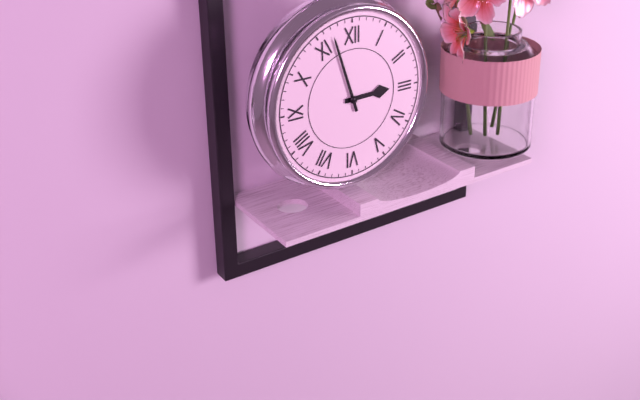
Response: 2:57
